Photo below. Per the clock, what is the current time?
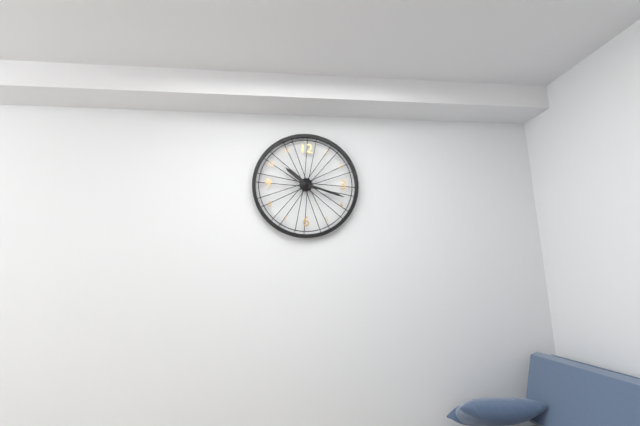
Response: 10:18
